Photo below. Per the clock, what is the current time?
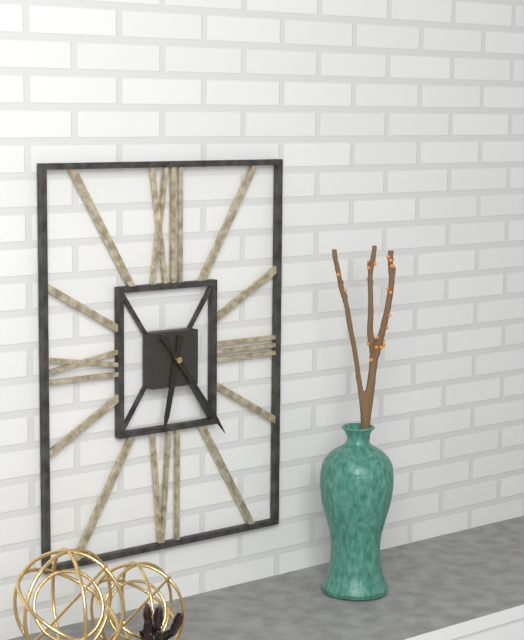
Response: 6:24
